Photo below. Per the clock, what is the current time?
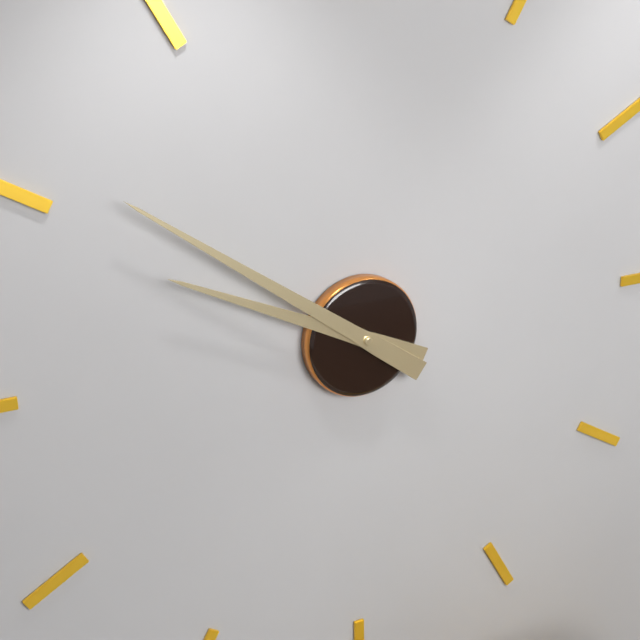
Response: 9:51
